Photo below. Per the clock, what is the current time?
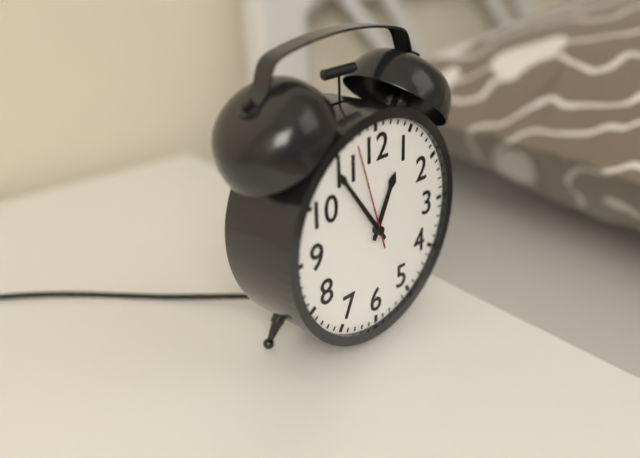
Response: 12:54:57
